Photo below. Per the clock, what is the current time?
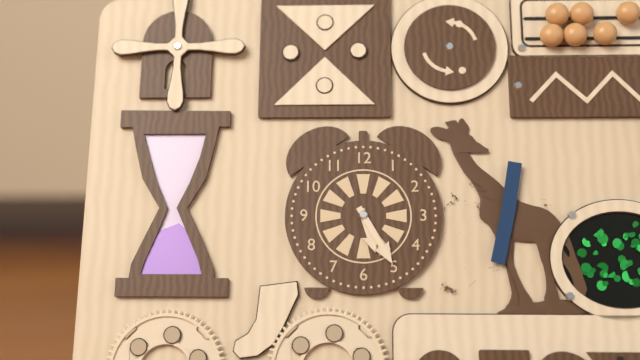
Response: 5:25
